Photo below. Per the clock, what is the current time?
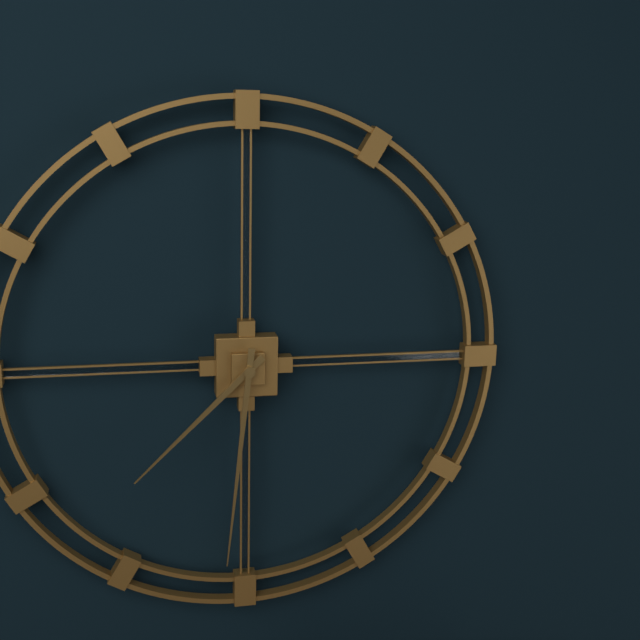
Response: 7:31
